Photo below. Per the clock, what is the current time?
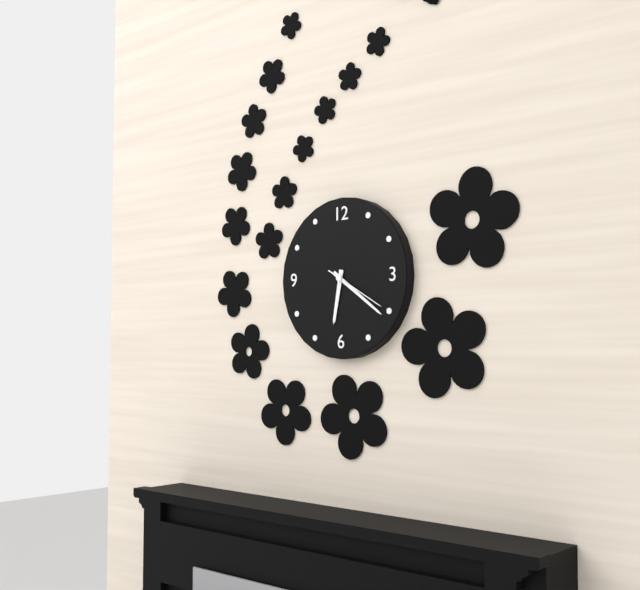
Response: 6:21:20
